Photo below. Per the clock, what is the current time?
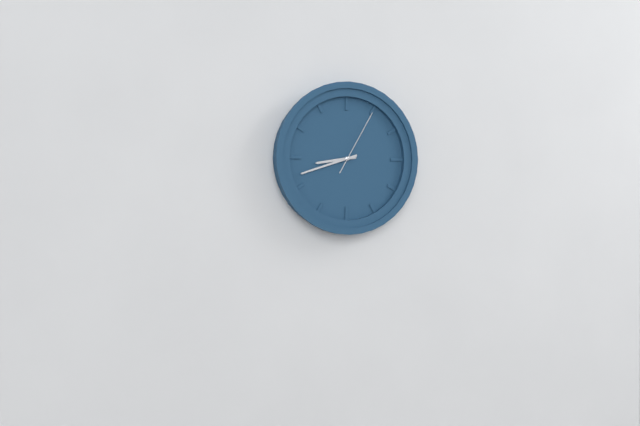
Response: 8:42:05
